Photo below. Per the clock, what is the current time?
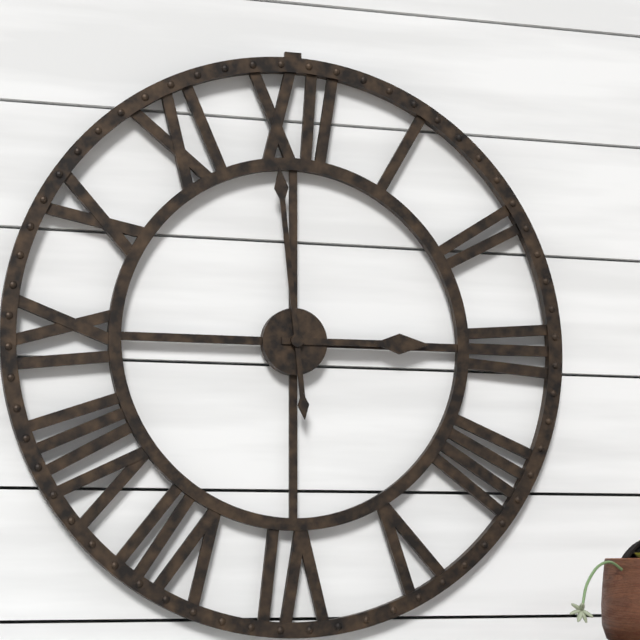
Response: 2:59
